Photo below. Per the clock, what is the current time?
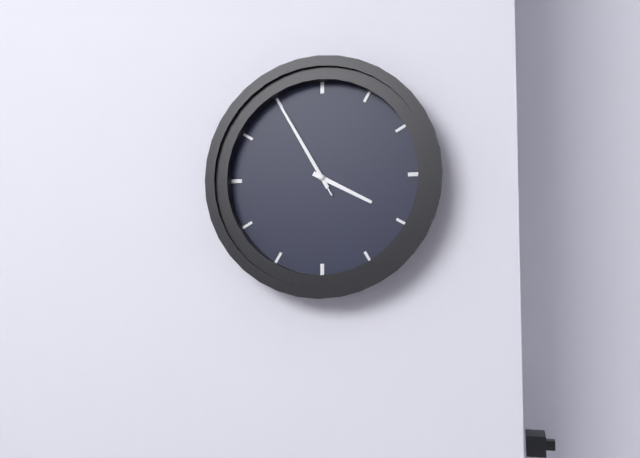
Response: 3:55:55
